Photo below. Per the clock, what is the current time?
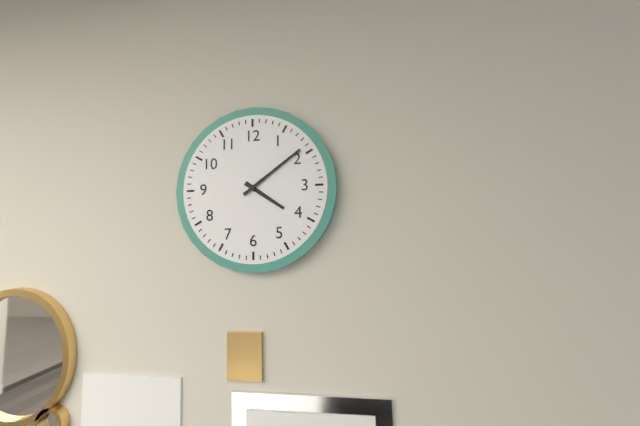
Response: 4:09
